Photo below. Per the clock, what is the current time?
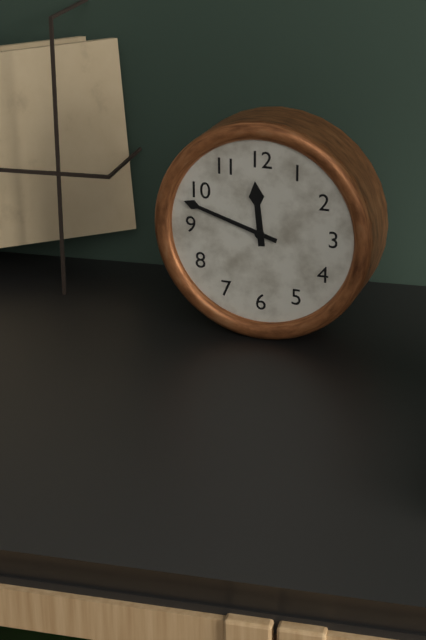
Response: 11:48
